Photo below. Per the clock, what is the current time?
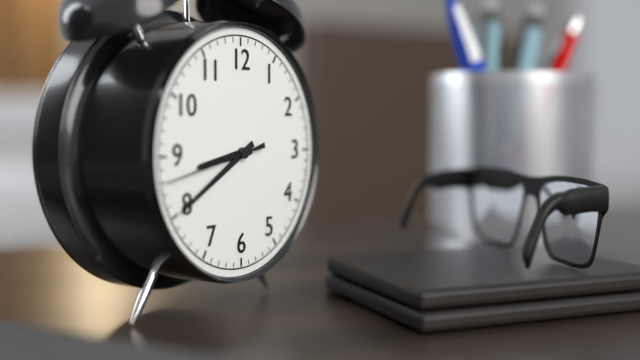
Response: 8:40:43
